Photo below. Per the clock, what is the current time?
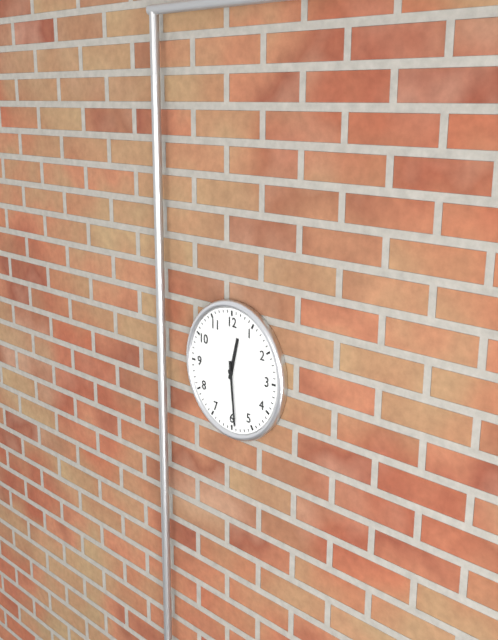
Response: 12:29
